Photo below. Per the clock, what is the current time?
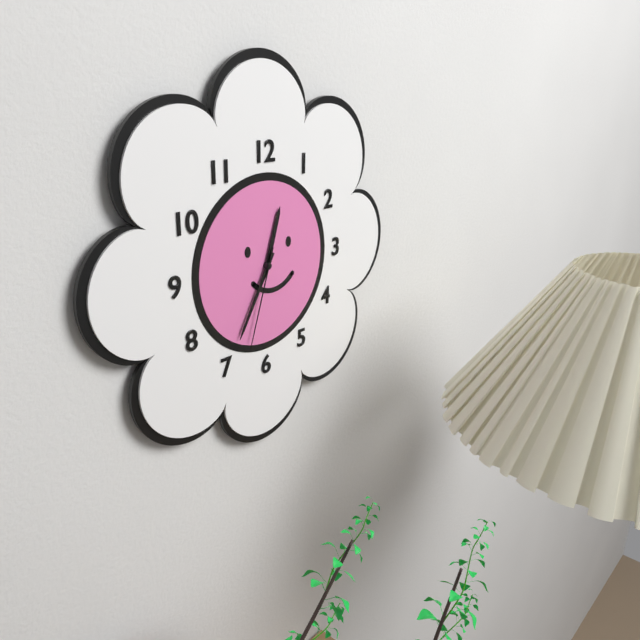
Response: 12:35:33
